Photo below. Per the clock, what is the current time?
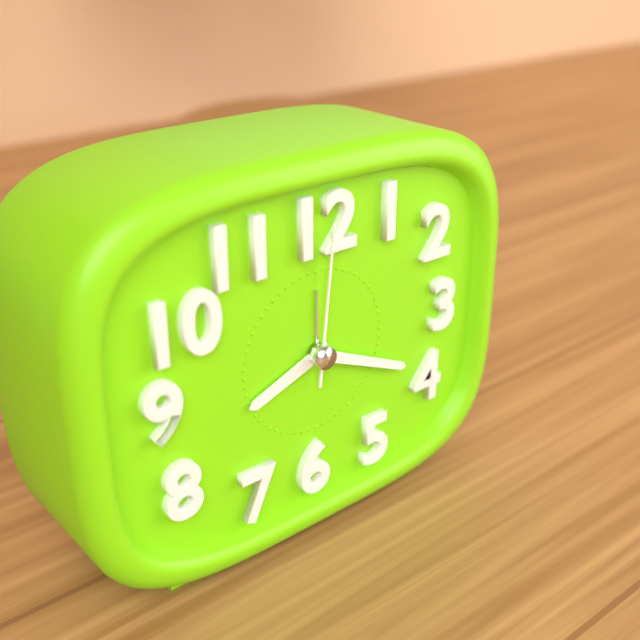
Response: 8:19:01
